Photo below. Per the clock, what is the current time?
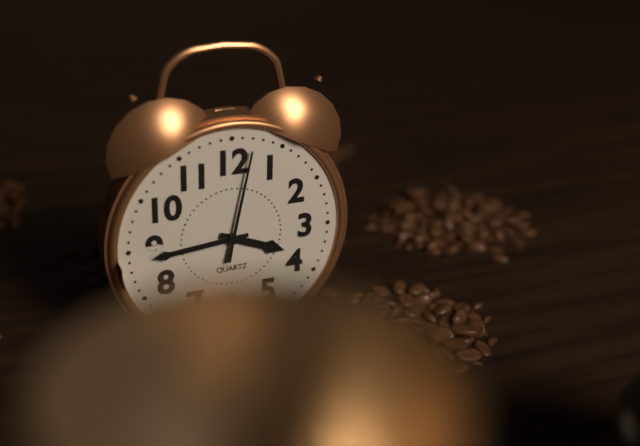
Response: 3:44:02
